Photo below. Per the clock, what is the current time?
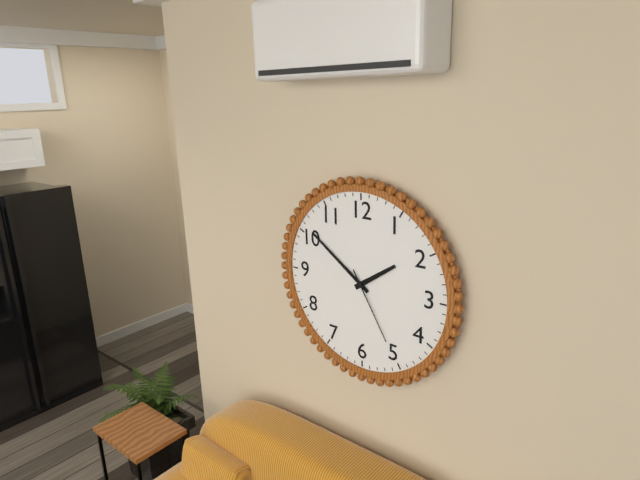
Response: 1:51:25
